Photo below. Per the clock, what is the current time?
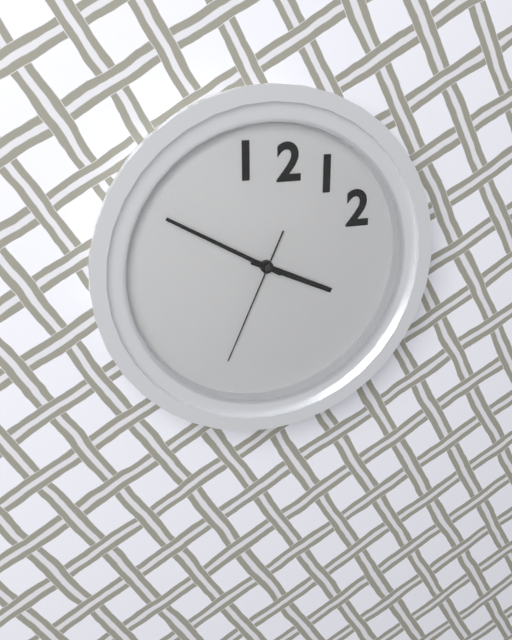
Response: 3:50:34
